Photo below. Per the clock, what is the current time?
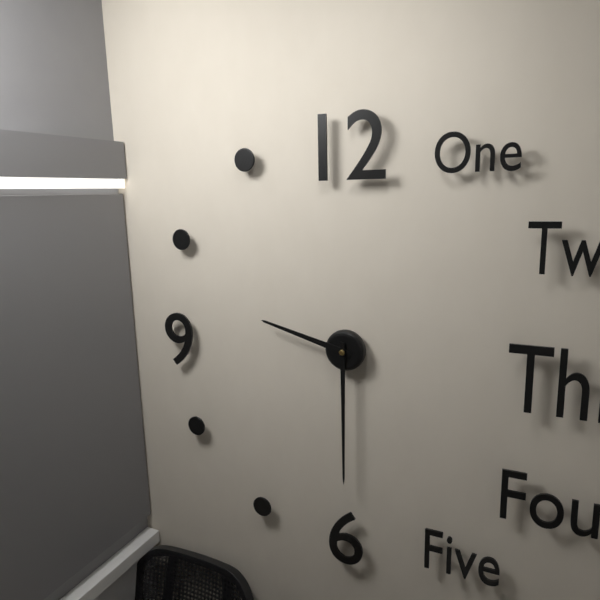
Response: 9:30
